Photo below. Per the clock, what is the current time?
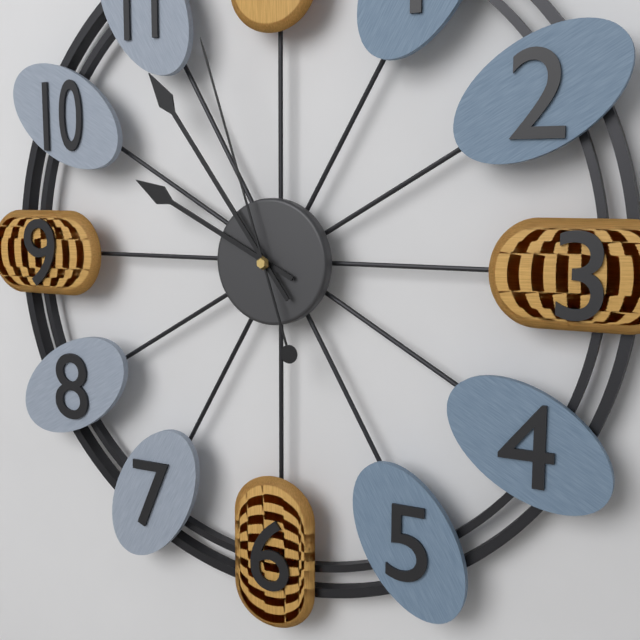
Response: 9:54:57
